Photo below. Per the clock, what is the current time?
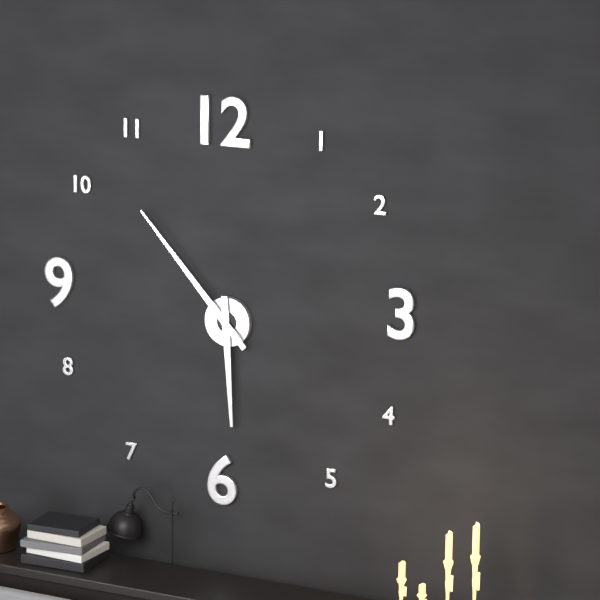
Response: 5:53
